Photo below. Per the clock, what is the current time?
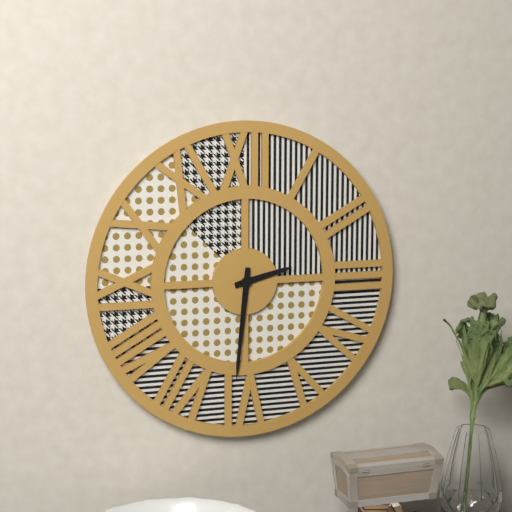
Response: 2:31
